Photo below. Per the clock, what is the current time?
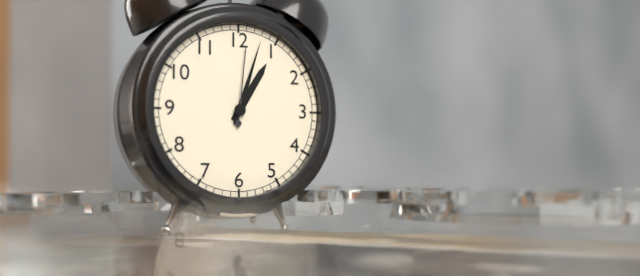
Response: 1:03:01
